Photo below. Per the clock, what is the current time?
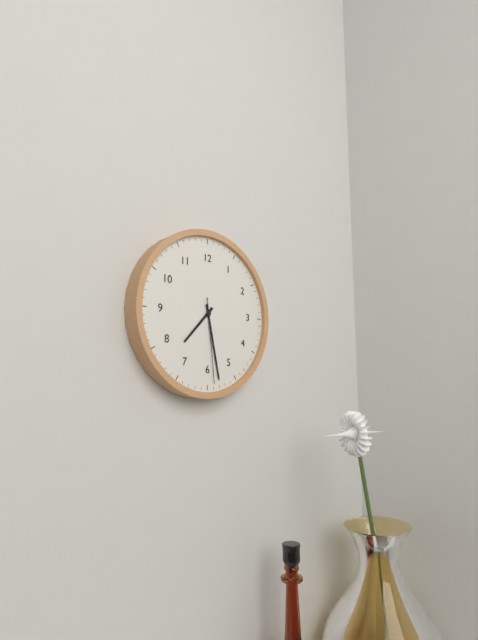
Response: 7:28:29
